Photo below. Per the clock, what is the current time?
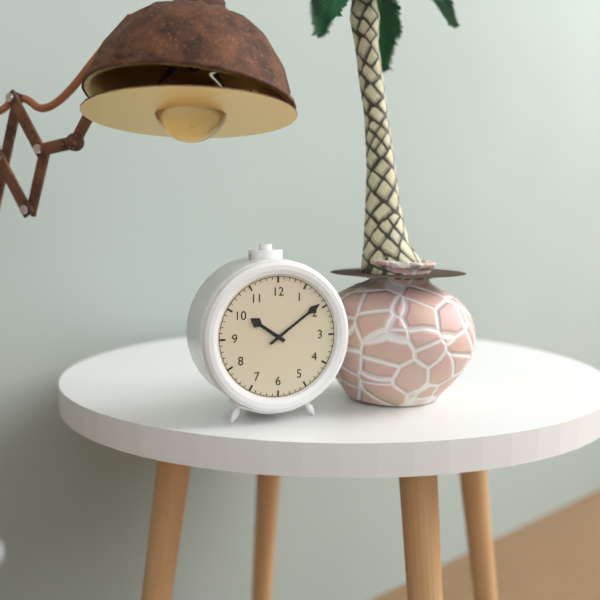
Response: 10:09
